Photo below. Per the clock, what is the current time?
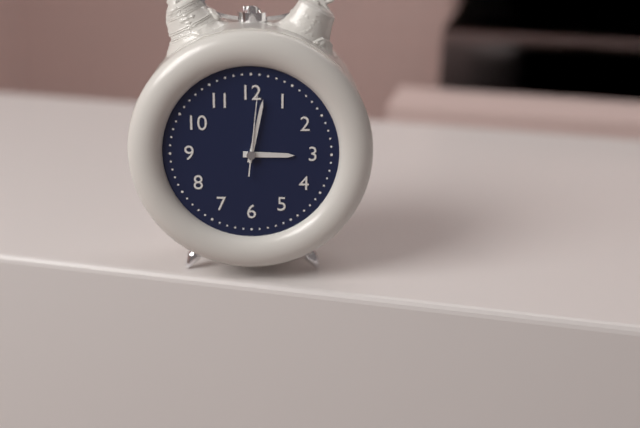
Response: 3:02:01
